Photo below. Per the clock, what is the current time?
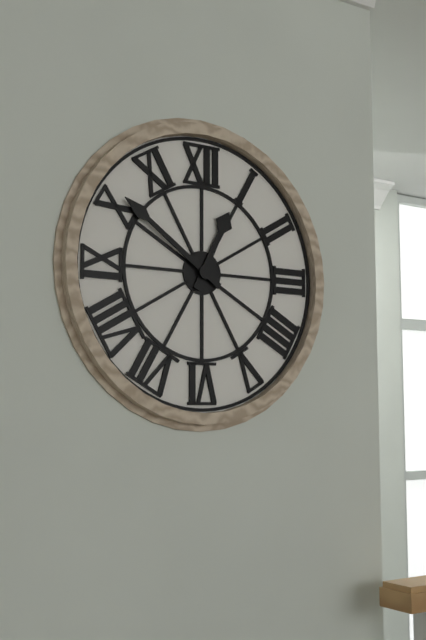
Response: 12:51
